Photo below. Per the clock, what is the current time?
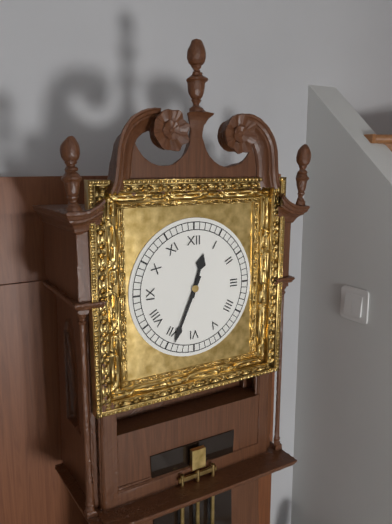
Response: 12:34
